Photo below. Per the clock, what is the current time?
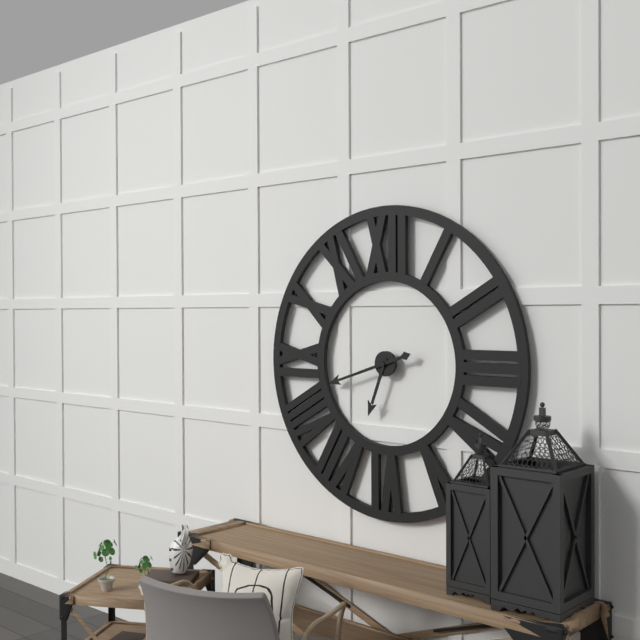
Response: 6:42
